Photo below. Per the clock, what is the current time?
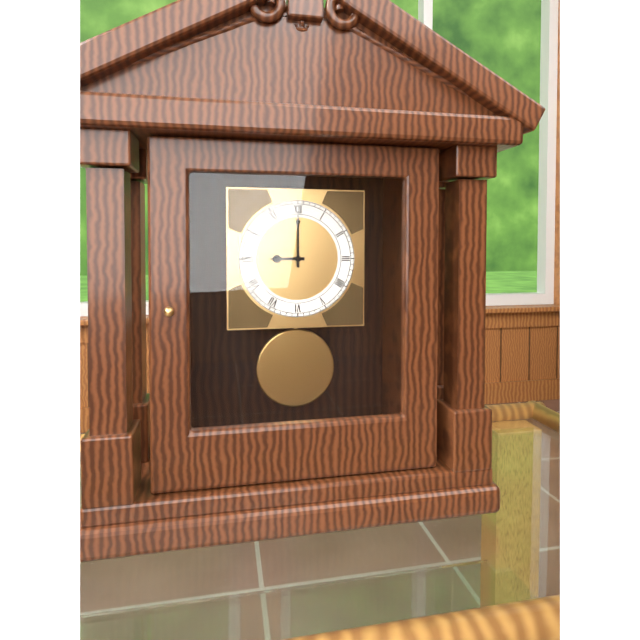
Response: 9:00
